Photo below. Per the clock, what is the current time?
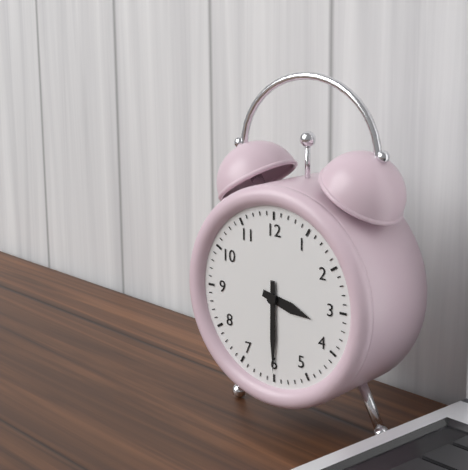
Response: 3:30
